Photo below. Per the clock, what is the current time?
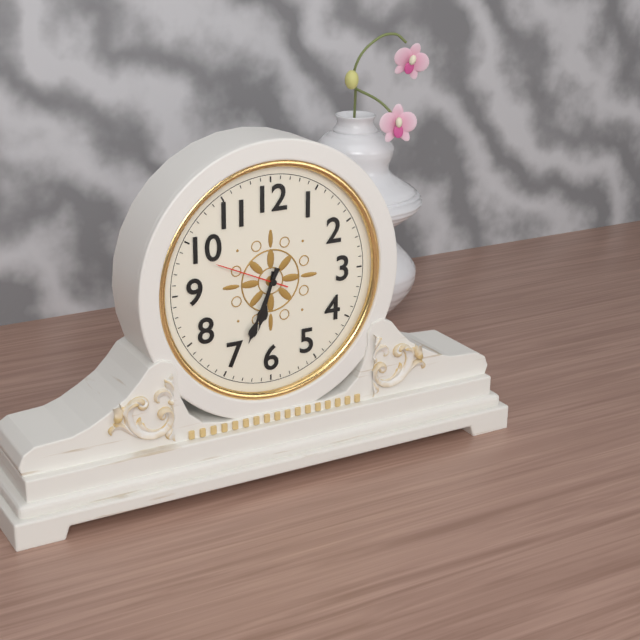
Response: 6:34:49
